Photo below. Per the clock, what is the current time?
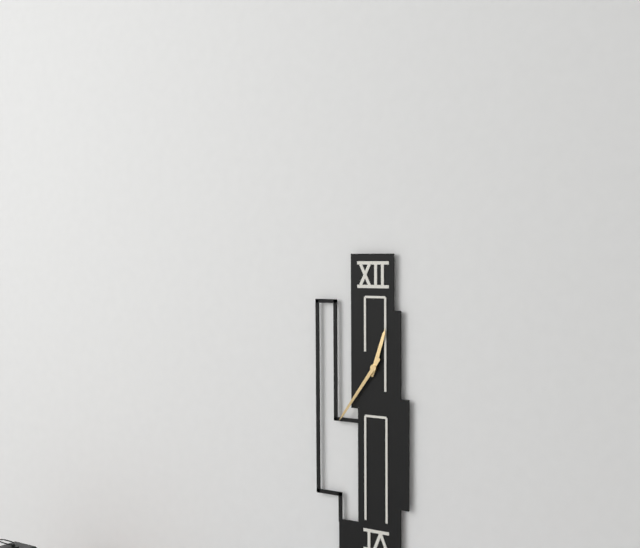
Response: 12:36
